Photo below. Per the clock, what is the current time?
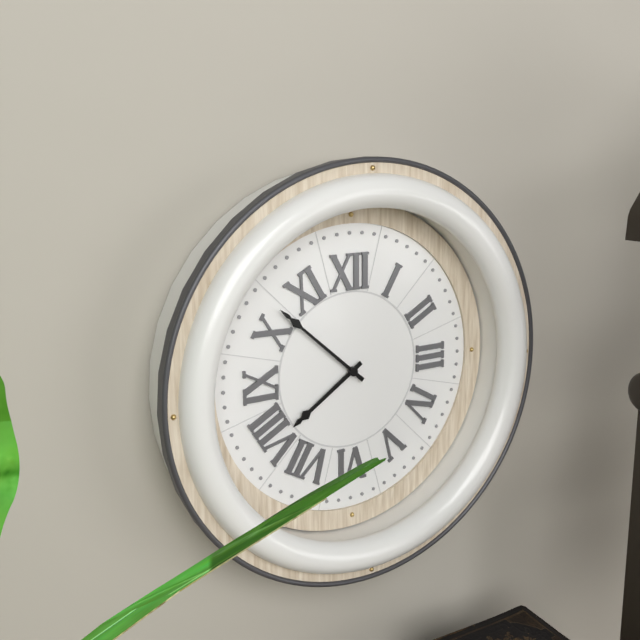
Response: 7:52
